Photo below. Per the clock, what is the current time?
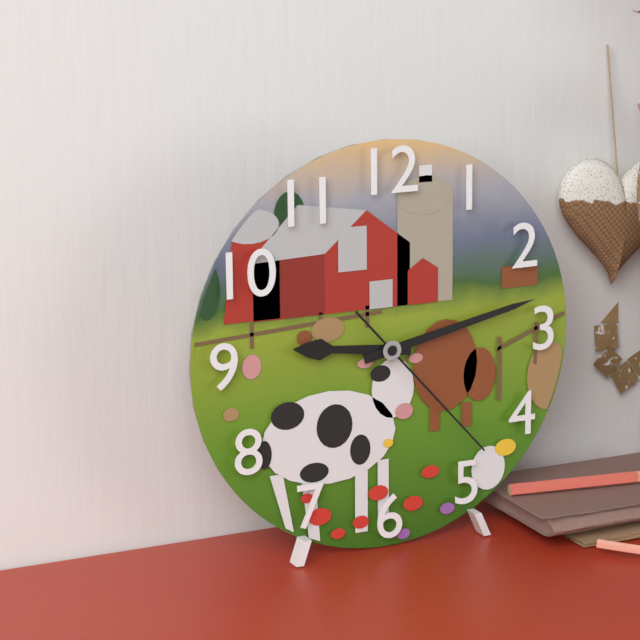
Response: 9:13:23
